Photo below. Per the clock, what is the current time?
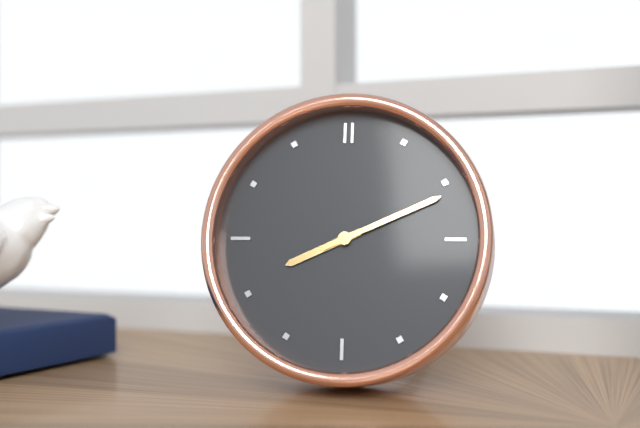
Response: 8:11
